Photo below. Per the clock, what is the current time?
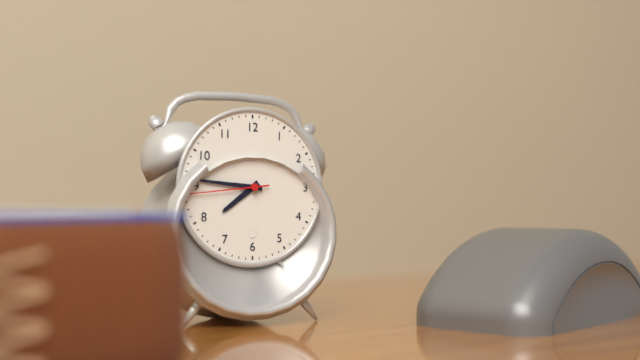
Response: 7:46:44
